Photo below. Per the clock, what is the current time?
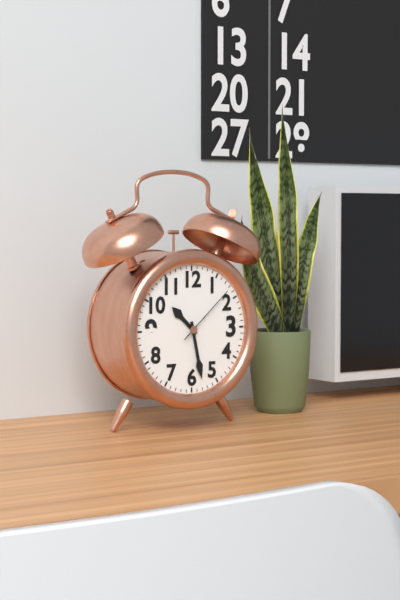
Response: 10:28:08
